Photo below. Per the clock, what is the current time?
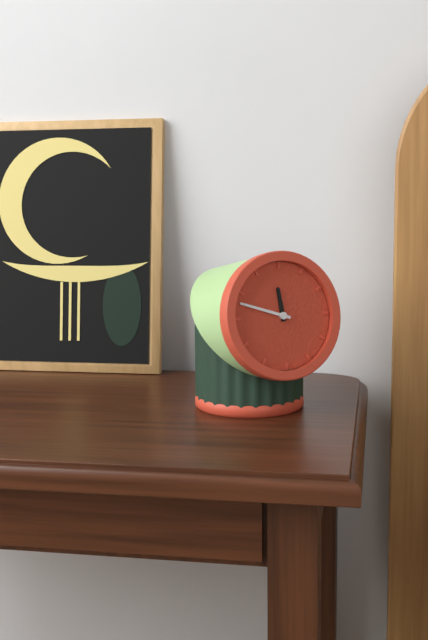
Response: 11:48
